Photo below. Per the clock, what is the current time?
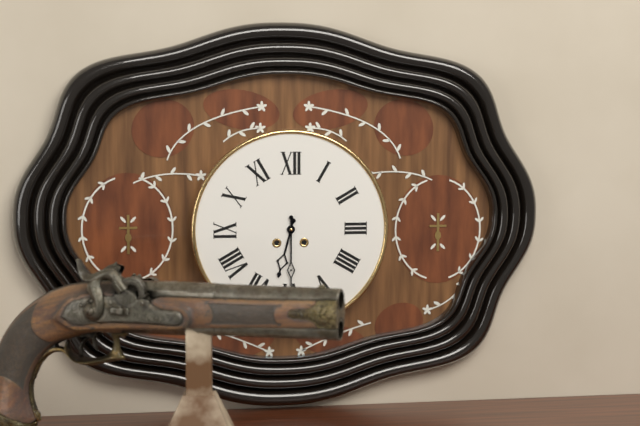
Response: 6:30
